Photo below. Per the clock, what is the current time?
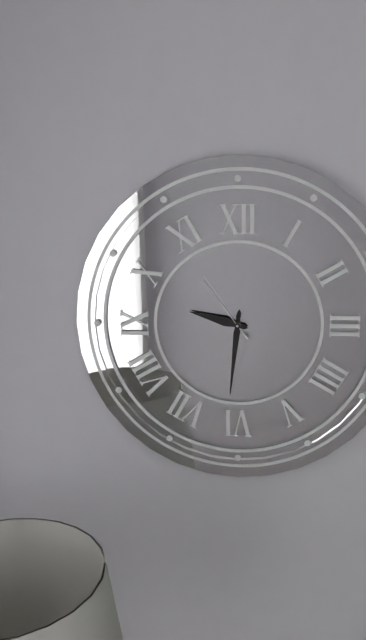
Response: 9:31:54
